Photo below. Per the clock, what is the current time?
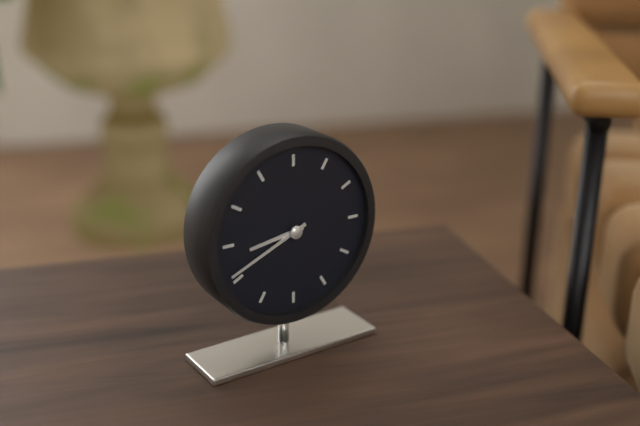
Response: 8:41
